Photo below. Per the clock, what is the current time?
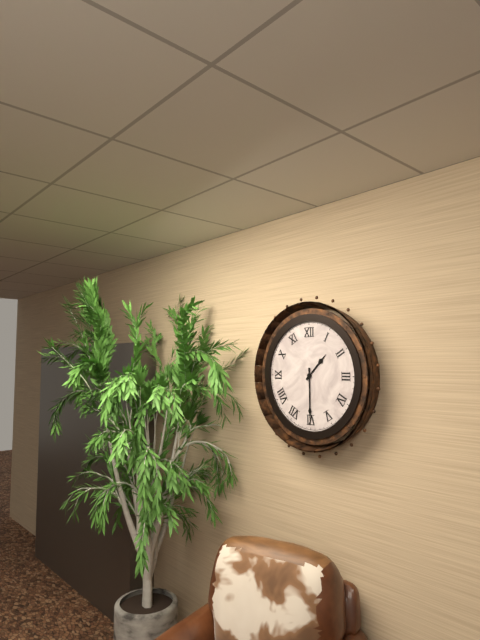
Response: 1:30
